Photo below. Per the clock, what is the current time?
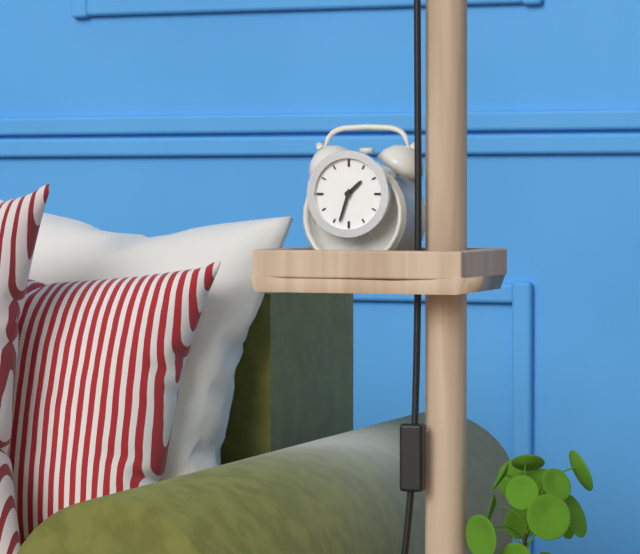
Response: 1:33
